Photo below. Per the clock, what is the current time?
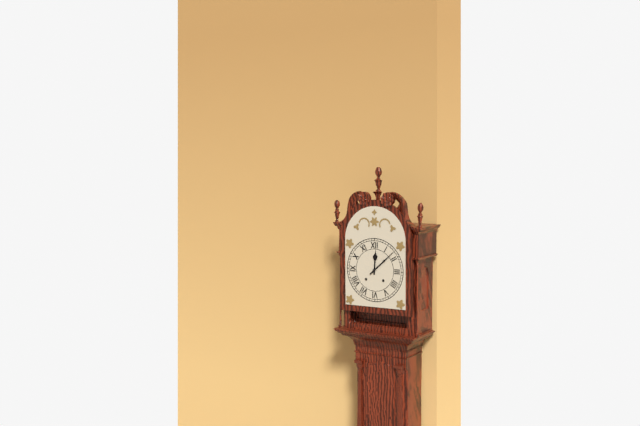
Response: 12:08
